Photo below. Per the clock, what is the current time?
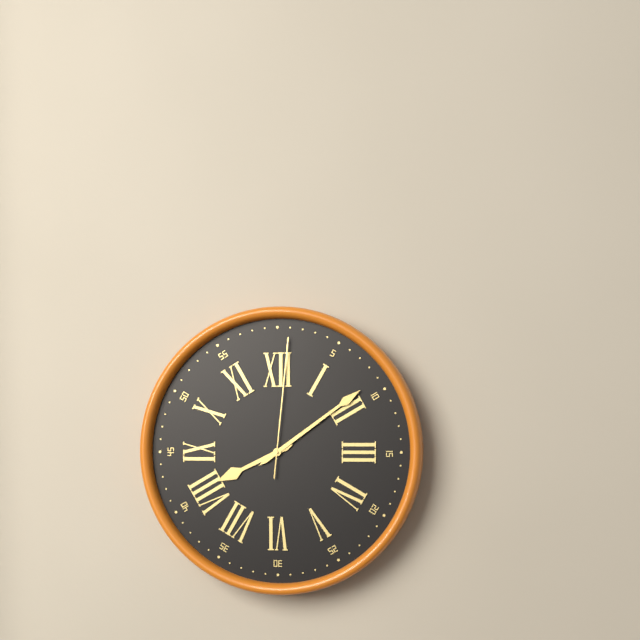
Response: 8:09:01
